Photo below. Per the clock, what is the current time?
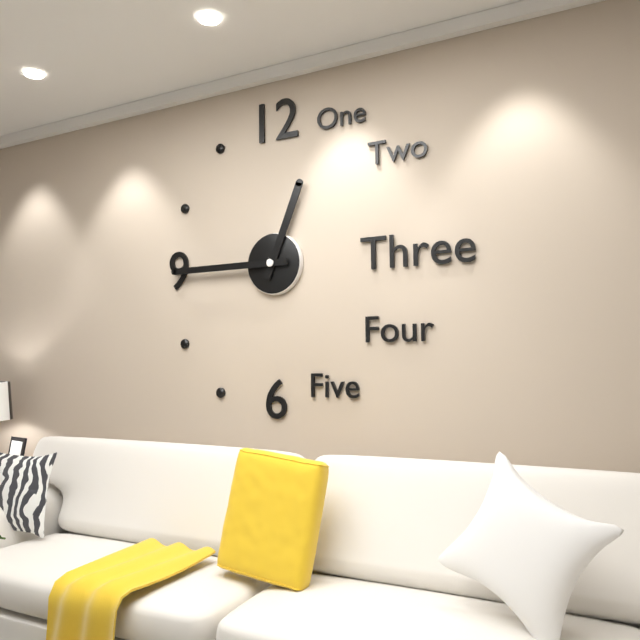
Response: 12:45
